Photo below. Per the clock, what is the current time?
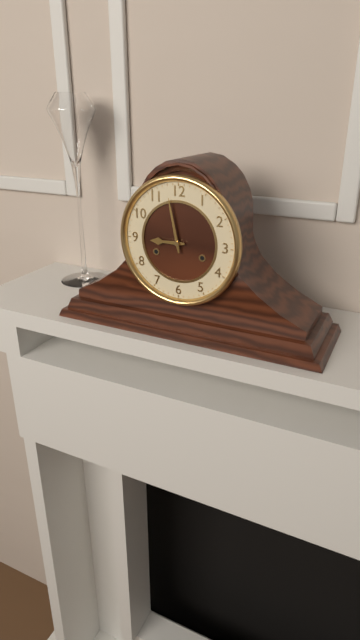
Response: 8:58
